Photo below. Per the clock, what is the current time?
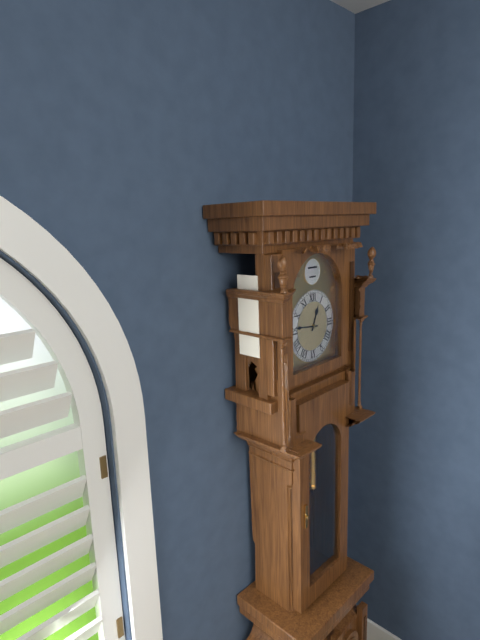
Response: 12:46
